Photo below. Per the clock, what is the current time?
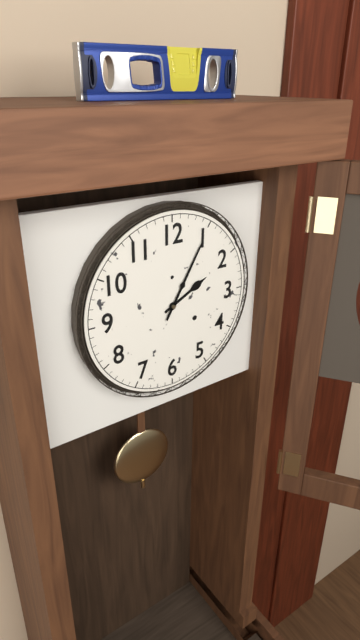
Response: 2:05
